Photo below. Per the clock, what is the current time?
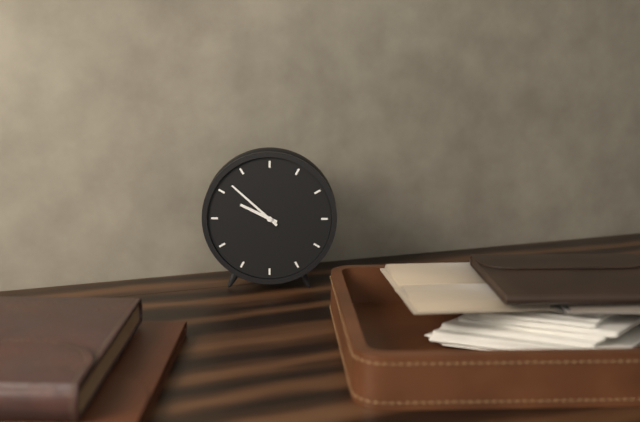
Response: 9:52
